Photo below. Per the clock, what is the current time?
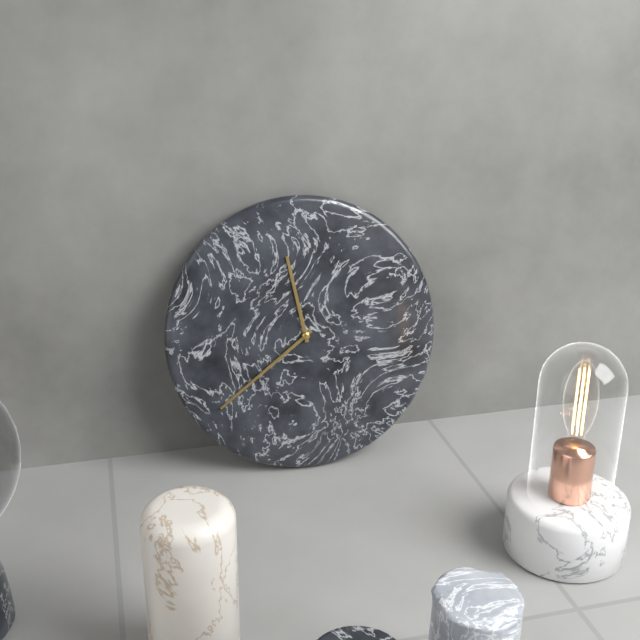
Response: 11:39
